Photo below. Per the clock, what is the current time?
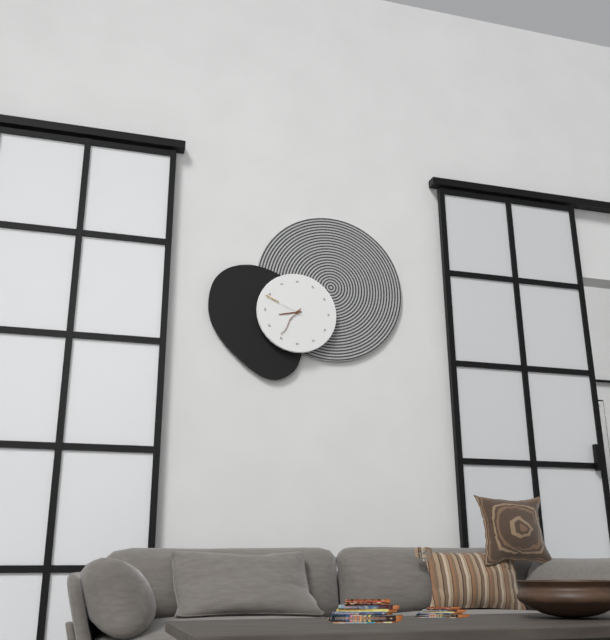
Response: 8:36
